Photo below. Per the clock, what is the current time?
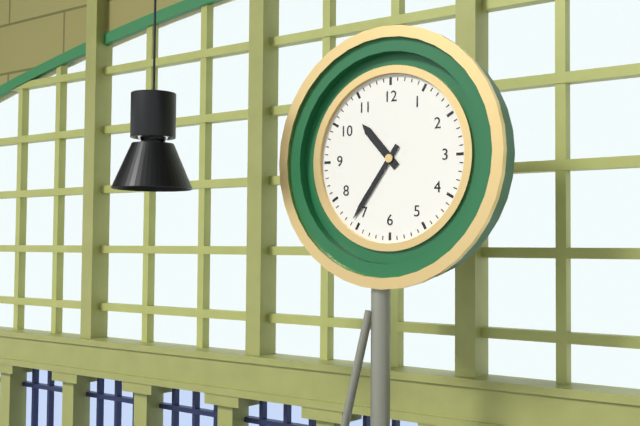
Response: 10:36
